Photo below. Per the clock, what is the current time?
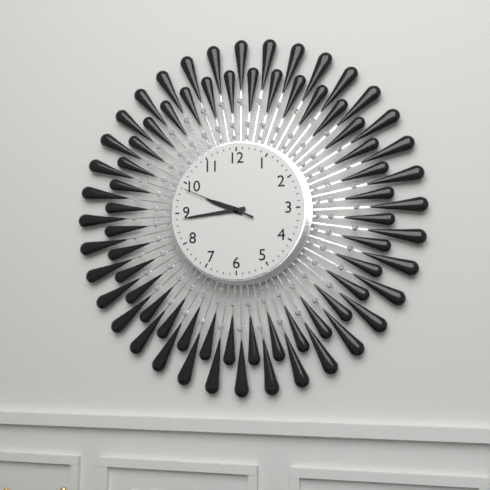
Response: 9:44:49
